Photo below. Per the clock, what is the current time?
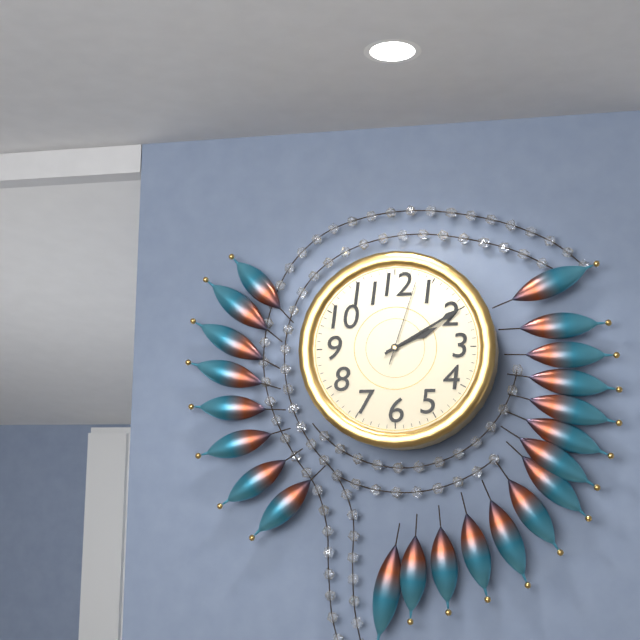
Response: 2:10:03
